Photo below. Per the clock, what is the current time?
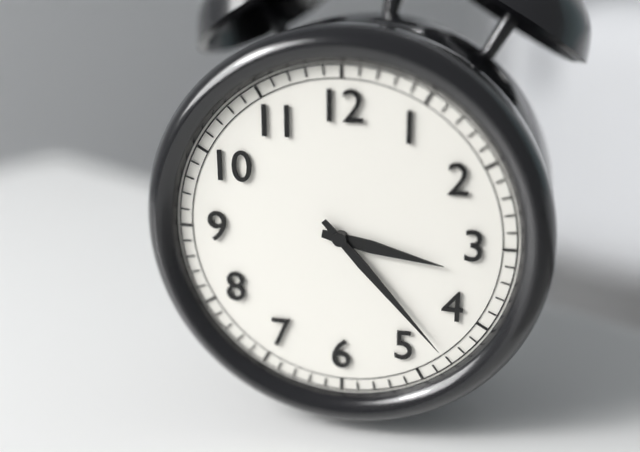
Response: 3:23
